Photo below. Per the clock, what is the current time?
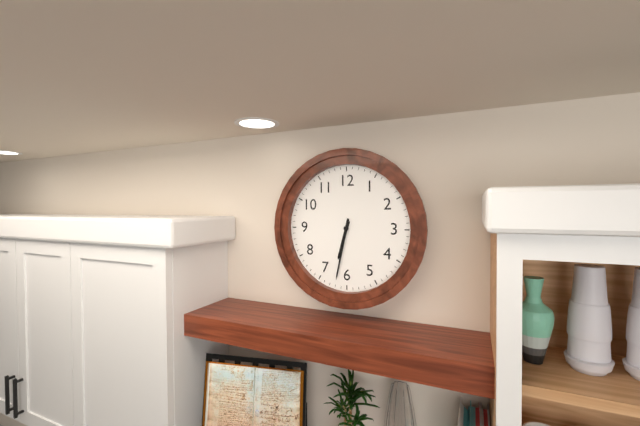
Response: 6:32
